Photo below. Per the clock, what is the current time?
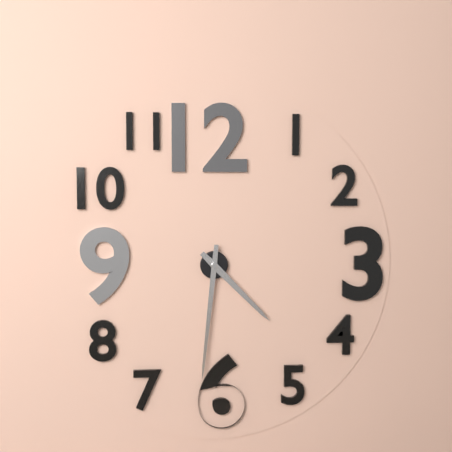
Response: 4:31
